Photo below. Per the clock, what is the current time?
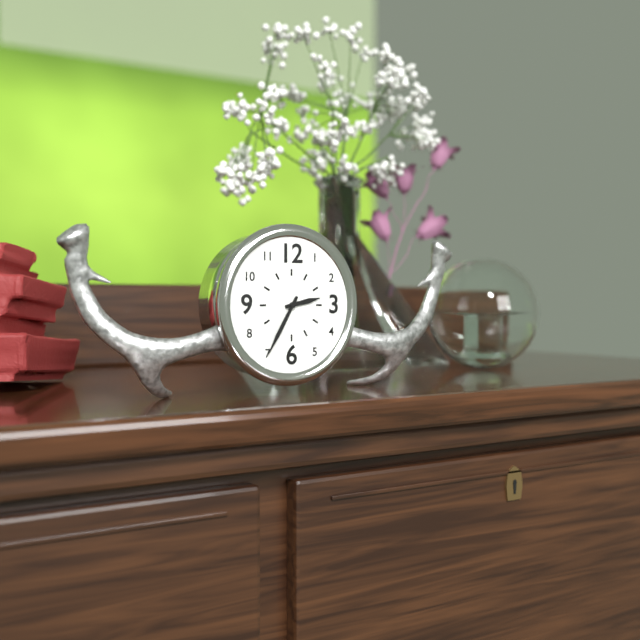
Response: 2:35
